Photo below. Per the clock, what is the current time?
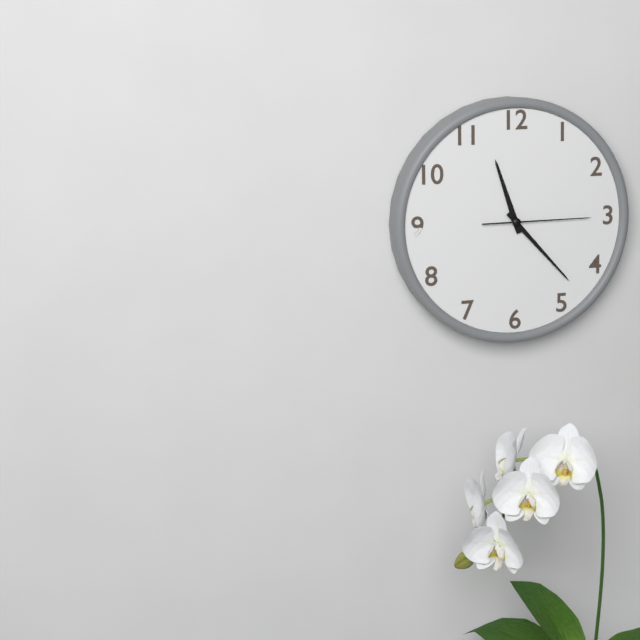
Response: 11:23:15
